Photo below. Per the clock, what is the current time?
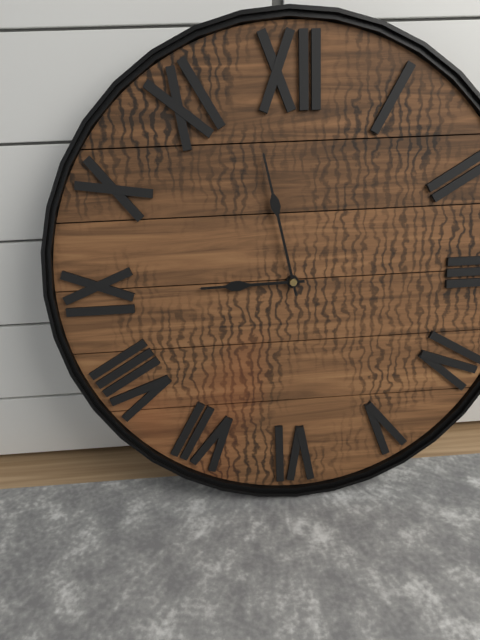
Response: 8:58
